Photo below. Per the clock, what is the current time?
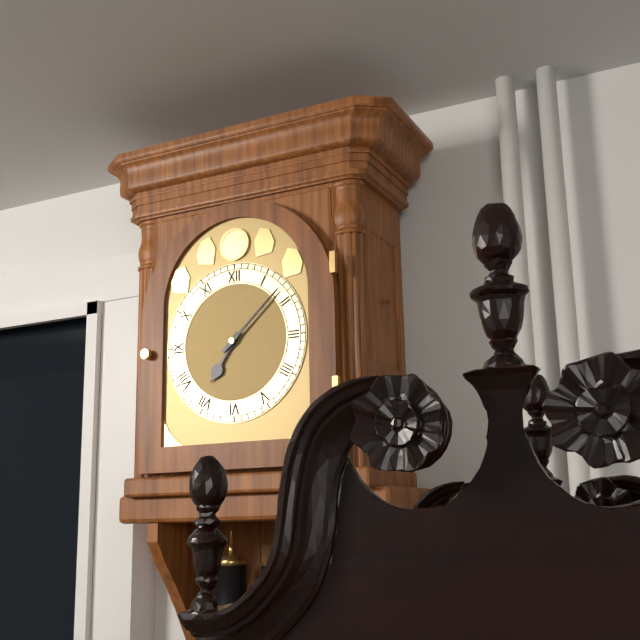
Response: 7:08
